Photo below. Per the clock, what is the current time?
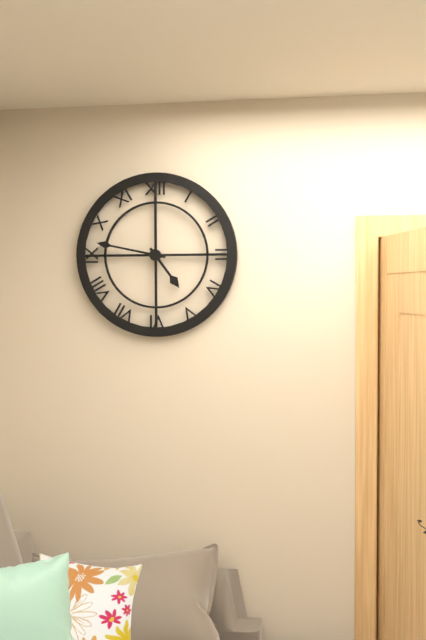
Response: 4:47
